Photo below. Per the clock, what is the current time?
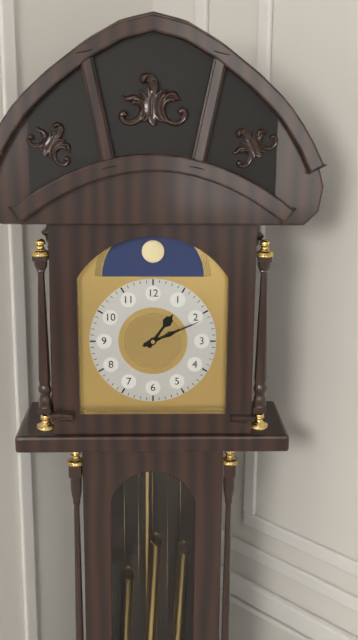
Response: 1:11
